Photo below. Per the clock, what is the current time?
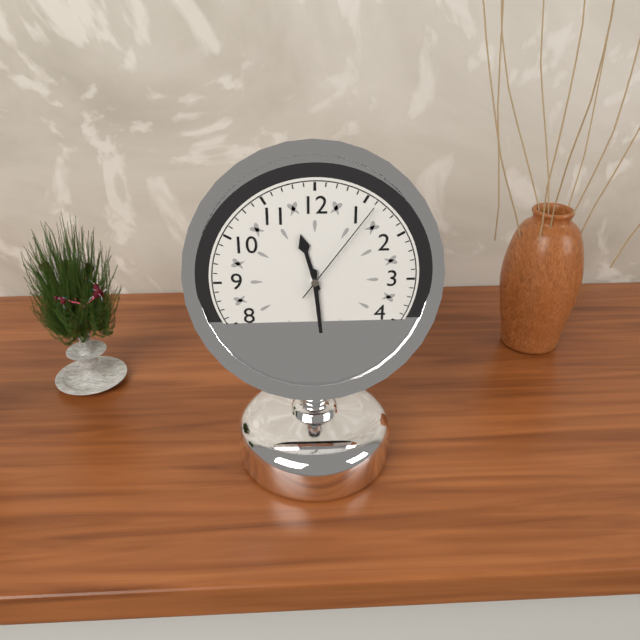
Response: 11:29:06
